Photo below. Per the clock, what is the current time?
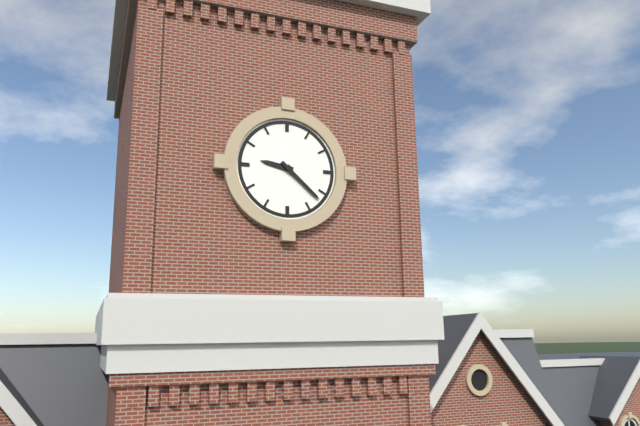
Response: 9:22
